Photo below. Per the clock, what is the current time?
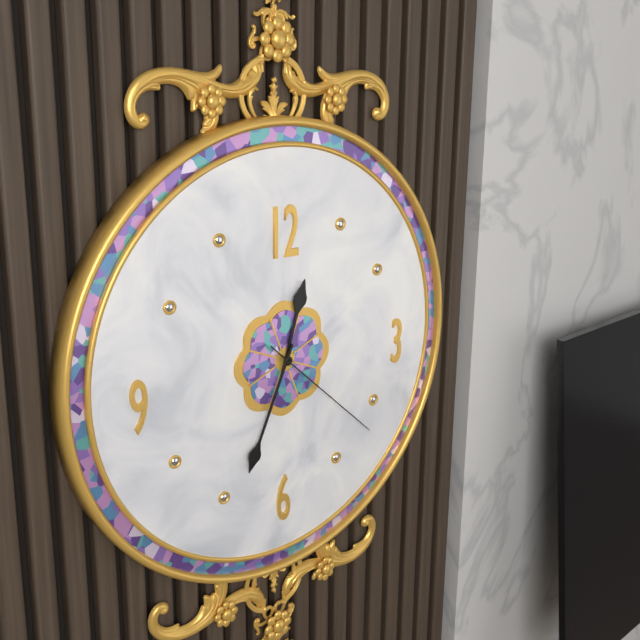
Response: 12:34:22
